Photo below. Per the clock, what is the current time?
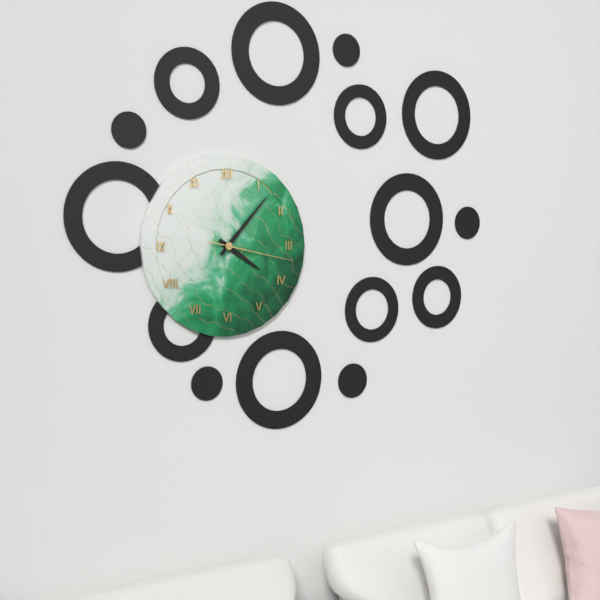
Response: 4:07:17
